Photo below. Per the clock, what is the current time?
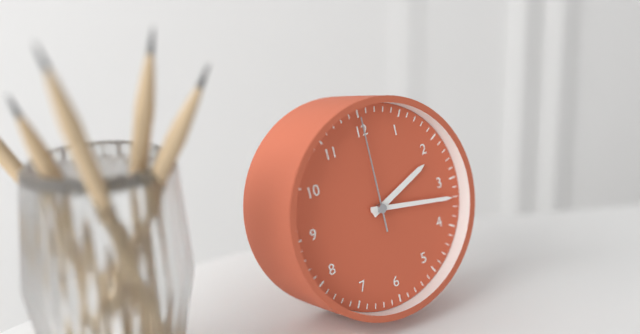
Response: 2:17:00
